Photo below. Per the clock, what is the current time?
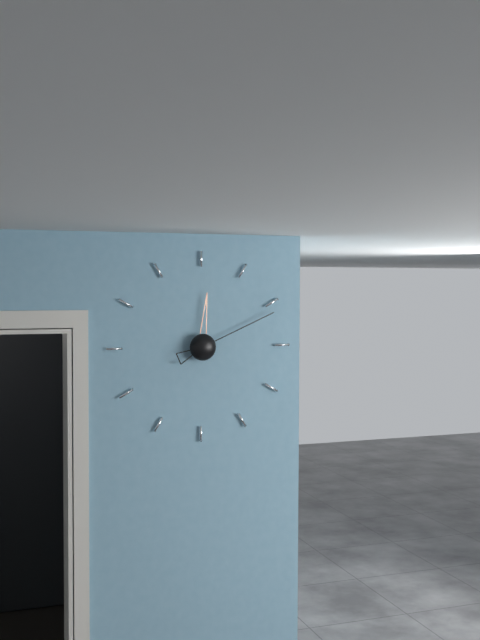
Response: 12:11
